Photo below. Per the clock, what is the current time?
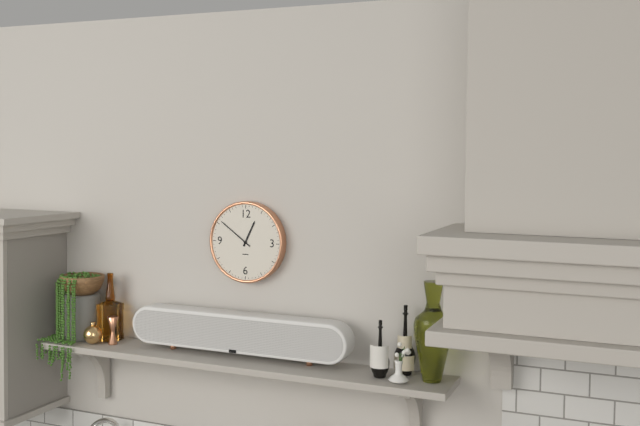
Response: 12:51
